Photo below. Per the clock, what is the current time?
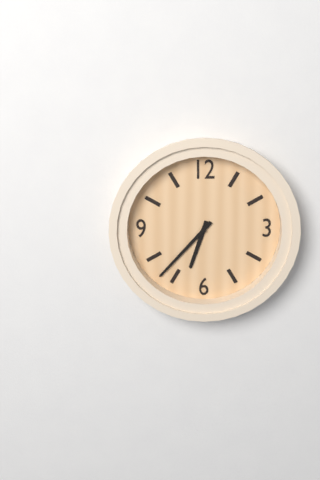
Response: 6:37
